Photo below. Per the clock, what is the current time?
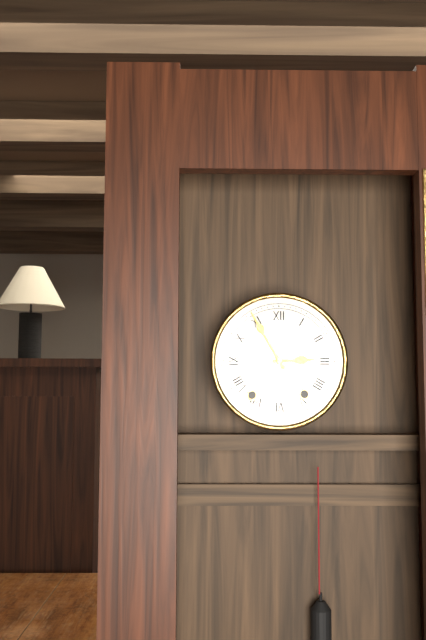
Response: 2:55
